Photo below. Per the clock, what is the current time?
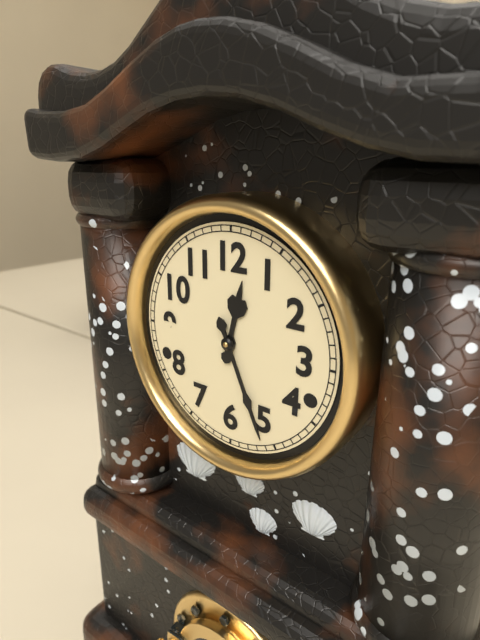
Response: 12:26
